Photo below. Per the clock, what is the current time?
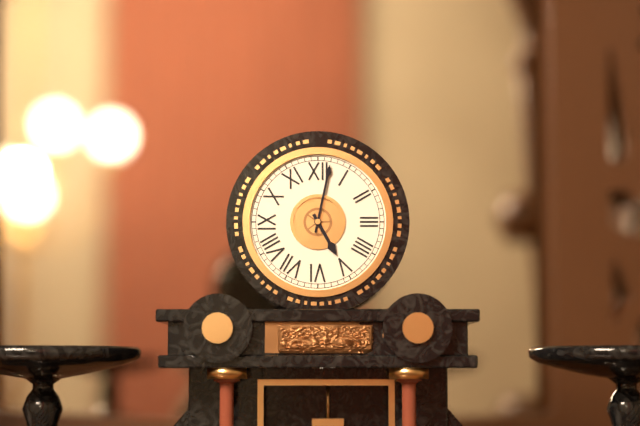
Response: 5:02
